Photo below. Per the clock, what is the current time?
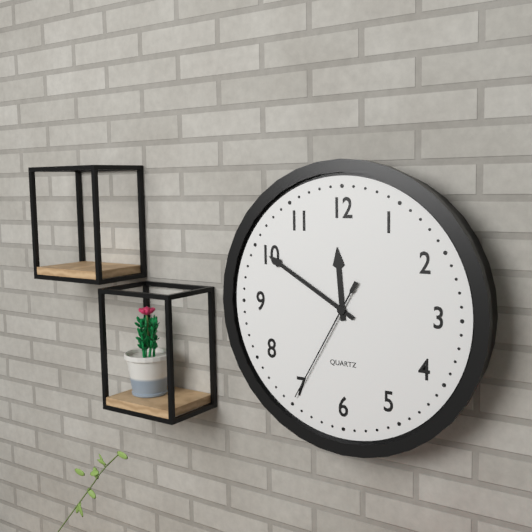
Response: 11:50:35
